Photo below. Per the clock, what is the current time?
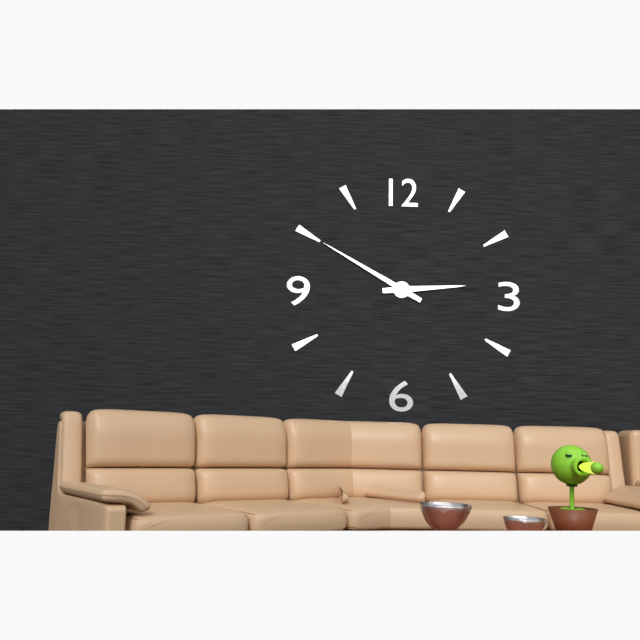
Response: 2:50
